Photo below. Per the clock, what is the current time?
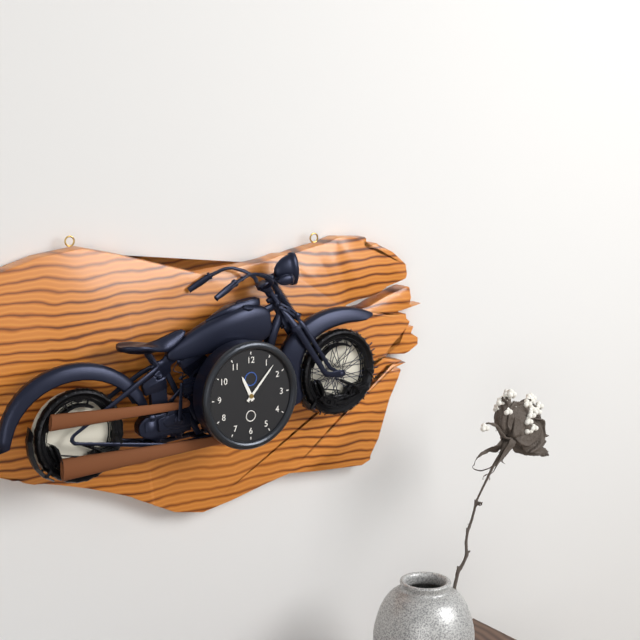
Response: 11:07
